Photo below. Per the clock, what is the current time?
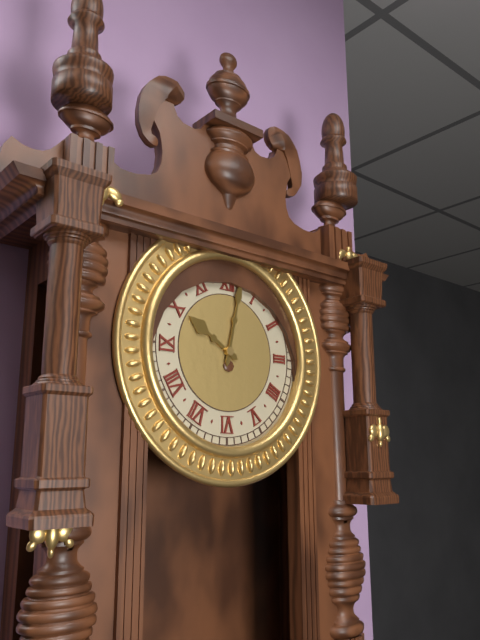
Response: 10:02
